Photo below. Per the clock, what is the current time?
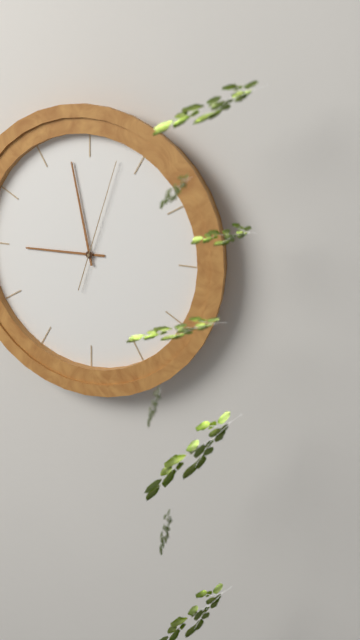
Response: 8:58:03
